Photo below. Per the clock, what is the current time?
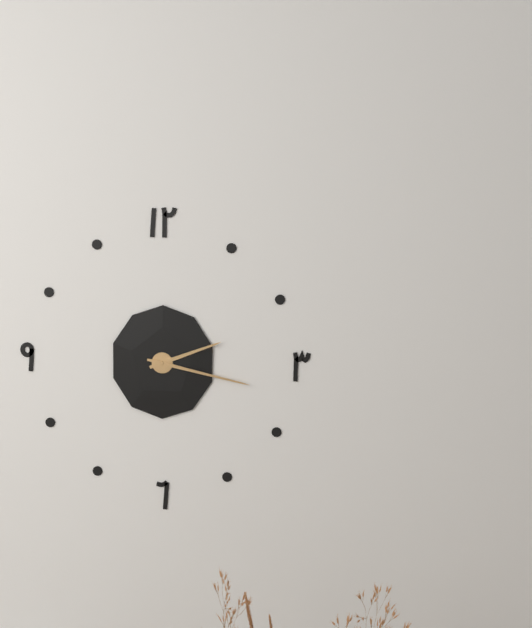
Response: 2:17
